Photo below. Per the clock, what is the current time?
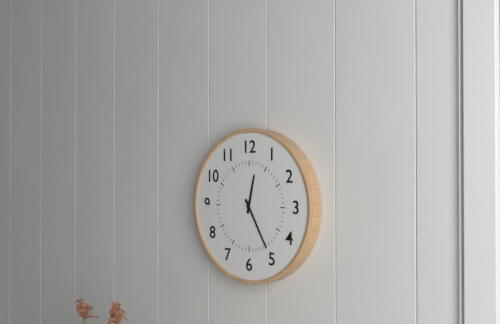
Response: 12:25
